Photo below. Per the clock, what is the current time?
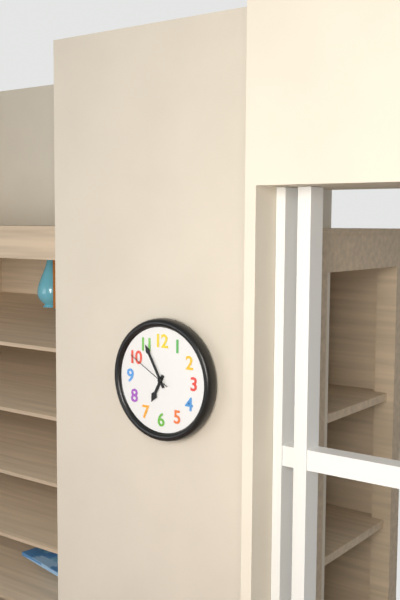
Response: 6:55:50
